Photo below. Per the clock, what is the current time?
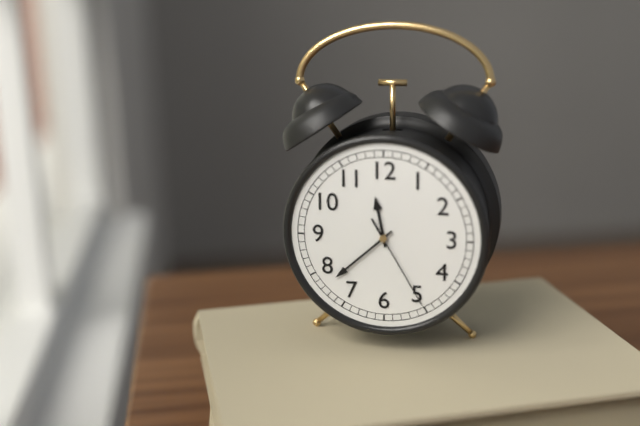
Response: 11:38:25
